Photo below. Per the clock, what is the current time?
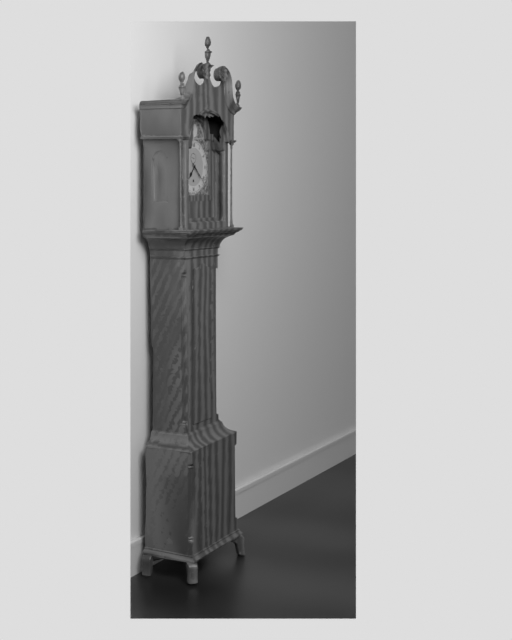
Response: 7:22
